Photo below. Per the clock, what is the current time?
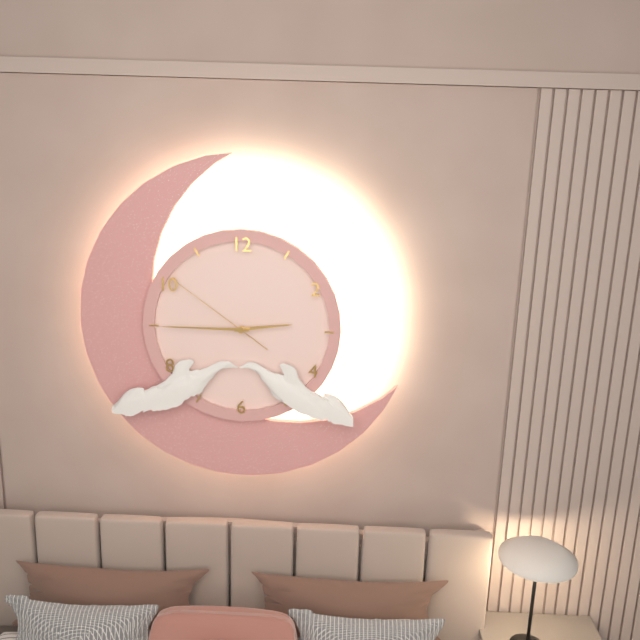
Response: 2:45:51
